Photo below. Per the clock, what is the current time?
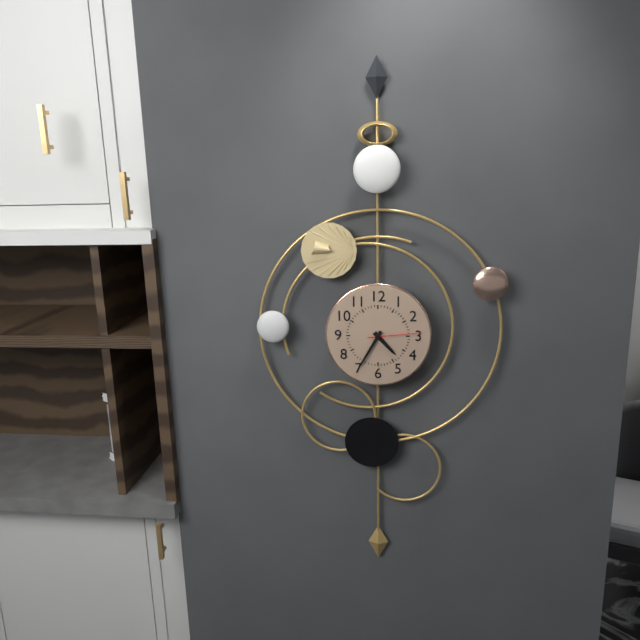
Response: 4:35:14
